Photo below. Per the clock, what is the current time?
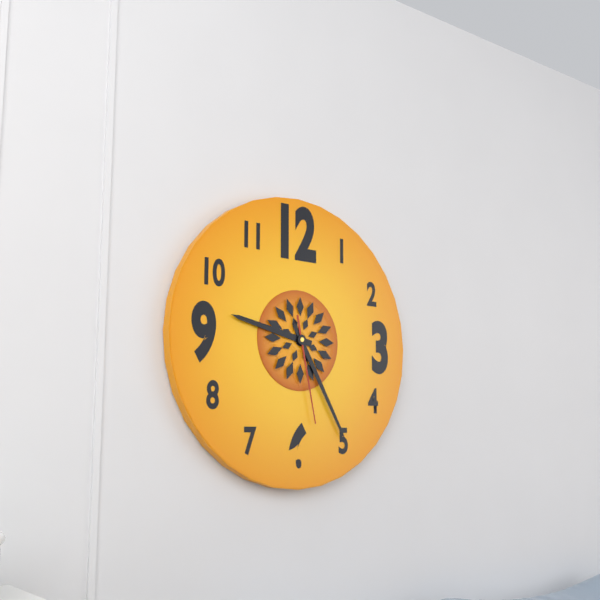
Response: 9:25:28
